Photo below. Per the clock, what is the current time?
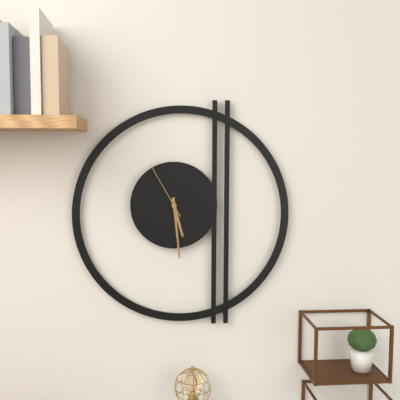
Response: 5:29:55
